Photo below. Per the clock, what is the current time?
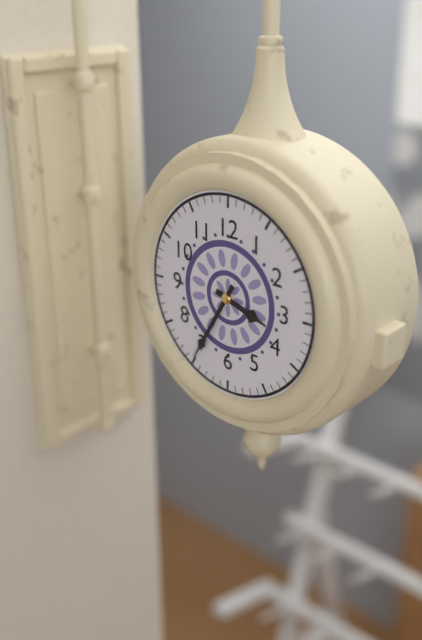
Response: 3:35
